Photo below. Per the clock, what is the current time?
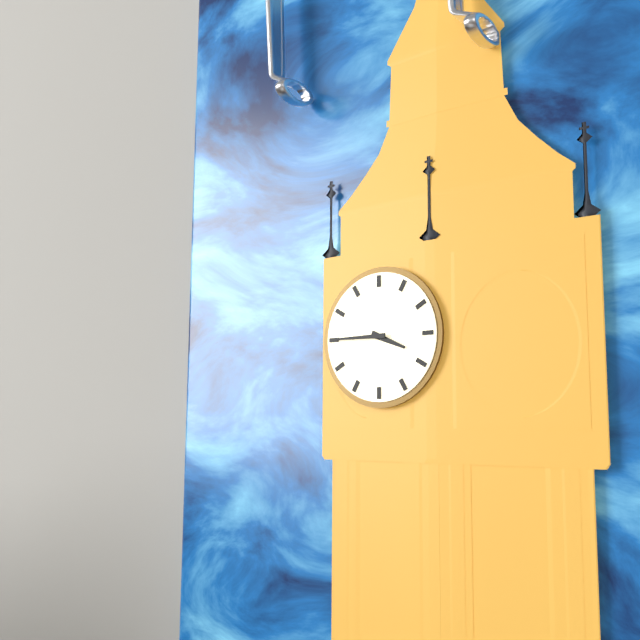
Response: 3:45
